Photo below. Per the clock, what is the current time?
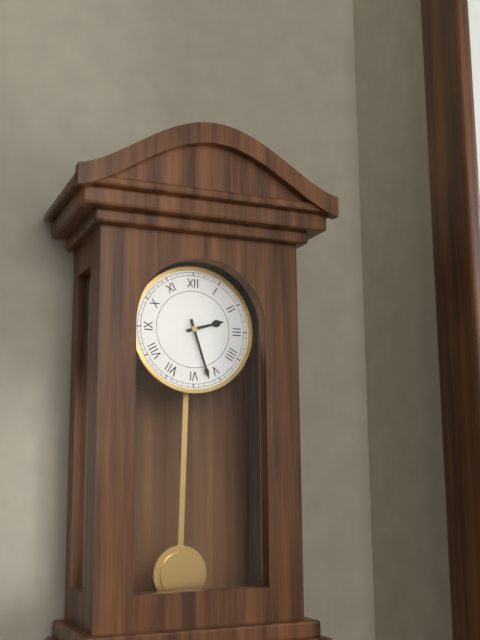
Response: 2:27
